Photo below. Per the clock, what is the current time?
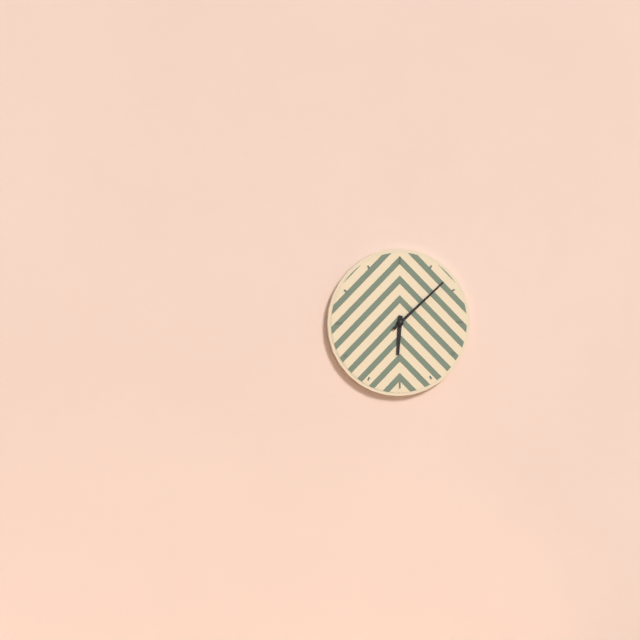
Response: 6:08
